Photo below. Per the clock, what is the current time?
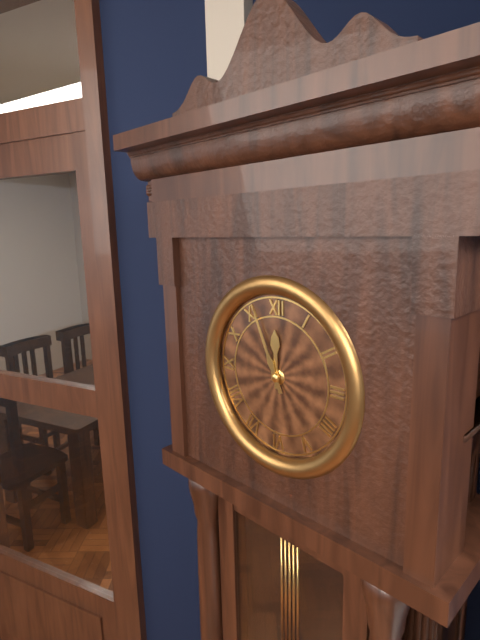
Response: 11:56
